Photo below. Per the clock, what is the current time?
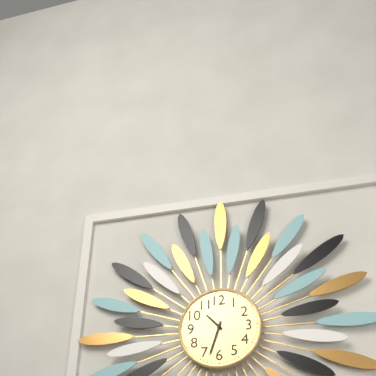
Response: 10:33
